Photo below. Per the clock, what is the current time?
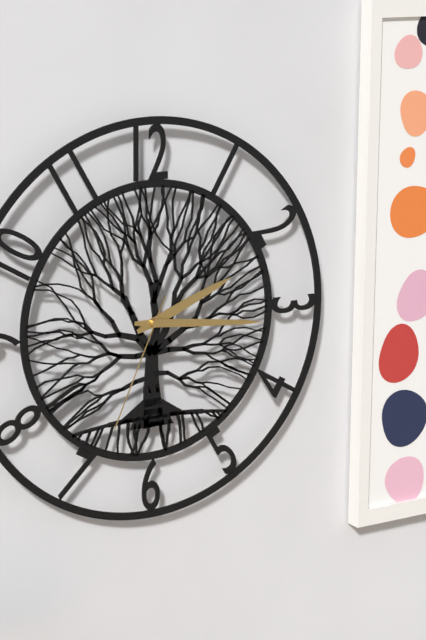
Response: 2:16:34
